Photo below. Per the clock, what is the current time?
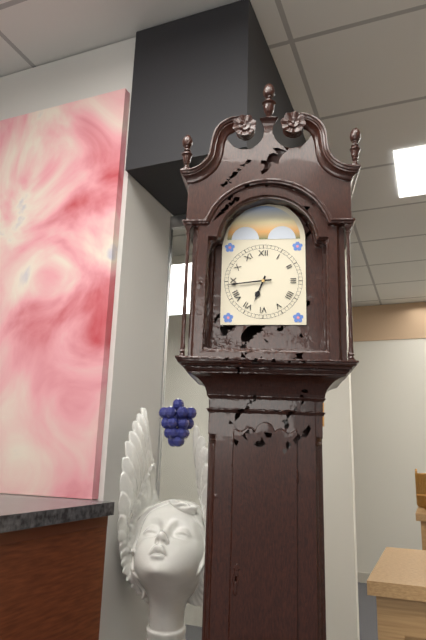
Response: 6:44
